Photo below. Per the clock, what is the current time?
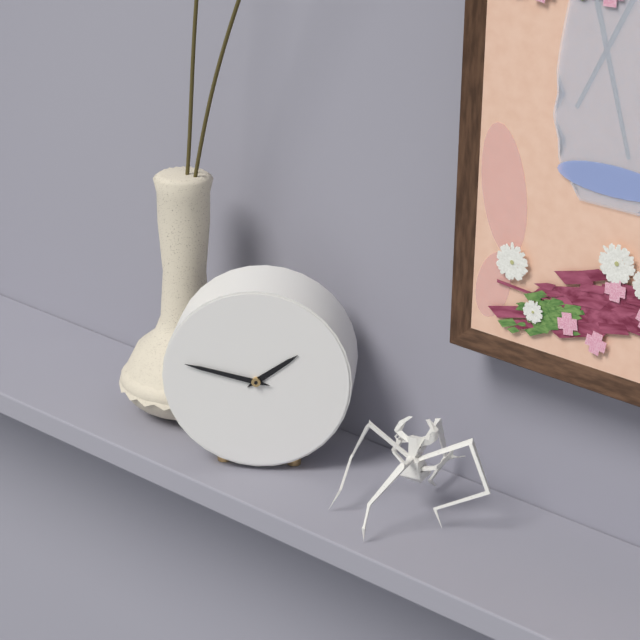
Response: 1:47
